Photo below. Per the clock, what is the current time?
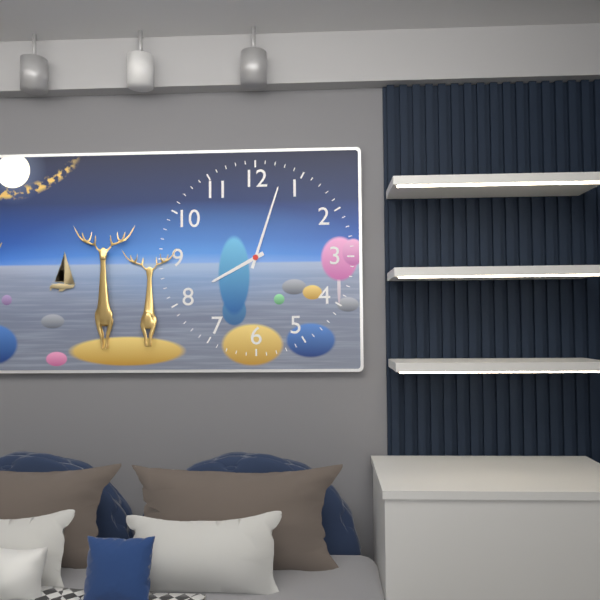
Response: 8:03
